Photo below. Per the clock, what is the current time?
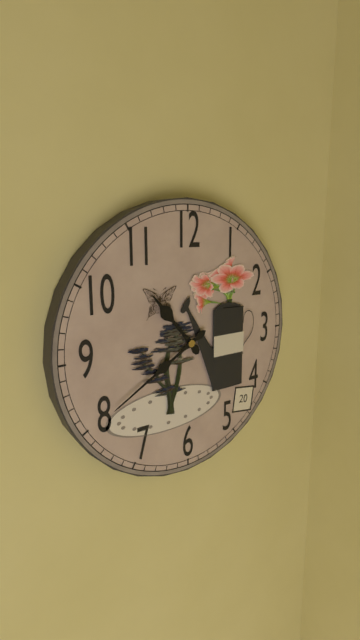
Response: 10:40
